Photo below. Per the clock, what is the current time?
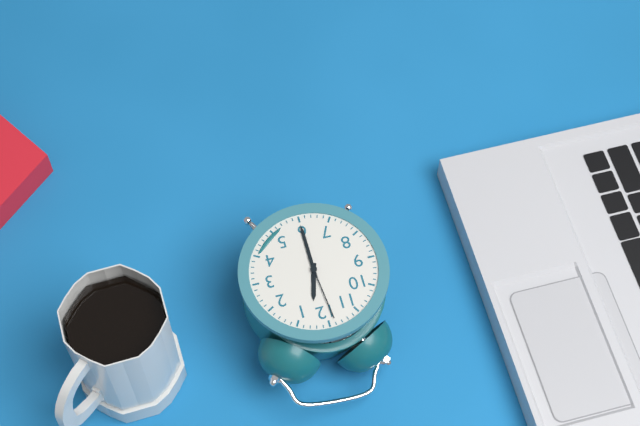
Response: 12:30:59
